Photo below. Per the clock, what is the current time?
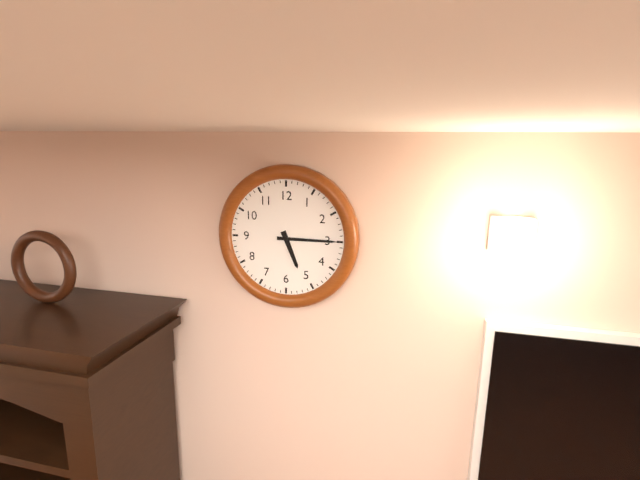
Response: 5:15
